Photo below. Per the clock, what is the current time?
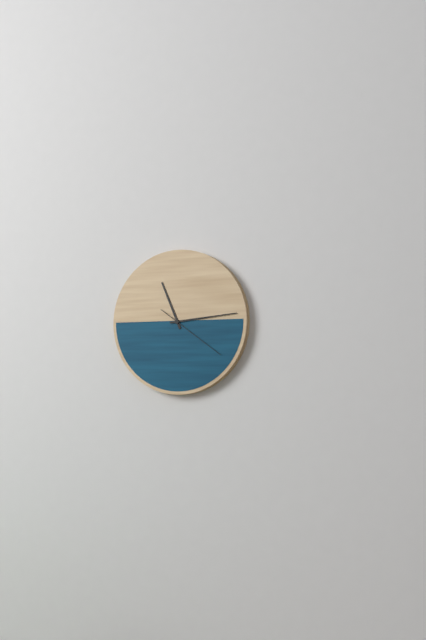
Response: 11:14:21
